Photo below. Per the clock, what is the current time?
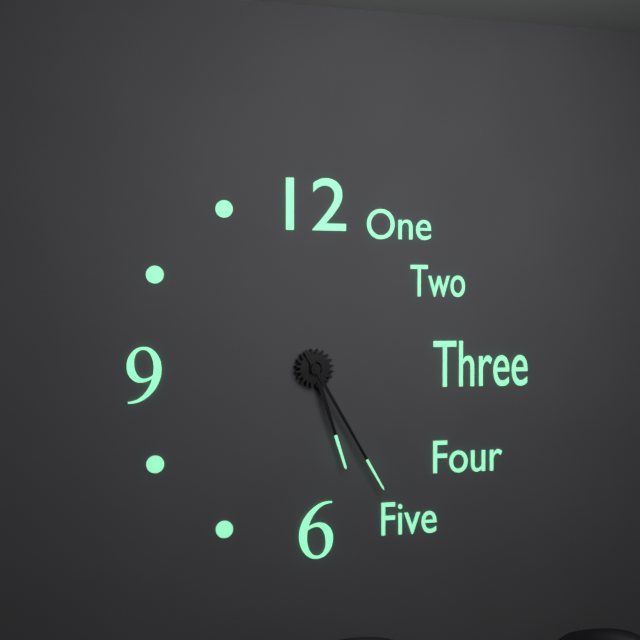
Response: 5:25
